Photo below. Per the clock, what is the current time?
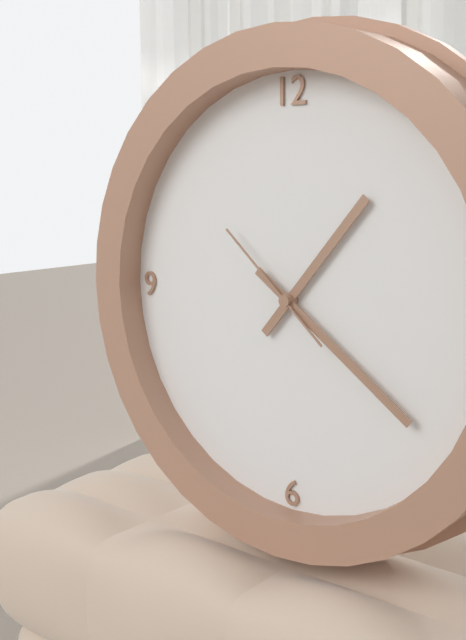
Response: 1:21:52
